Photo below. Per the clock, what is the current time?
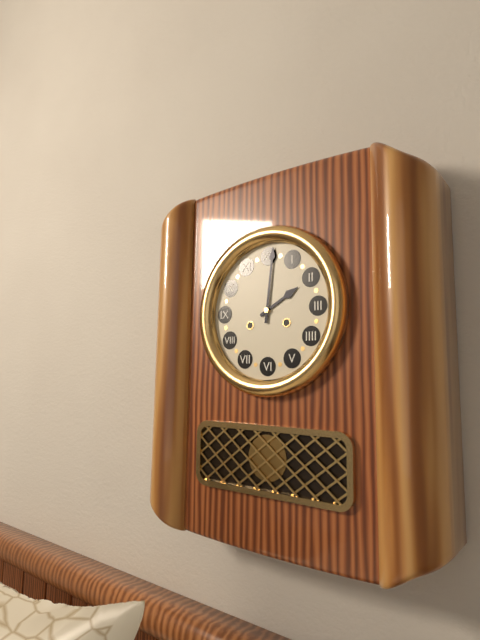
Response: 2:01
